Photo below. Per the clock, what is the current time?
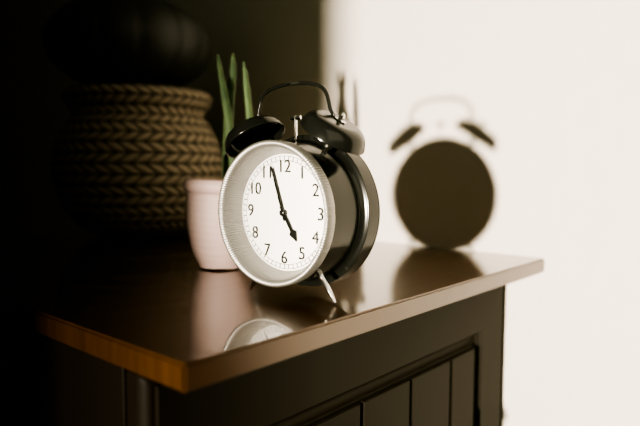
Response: 4:57
